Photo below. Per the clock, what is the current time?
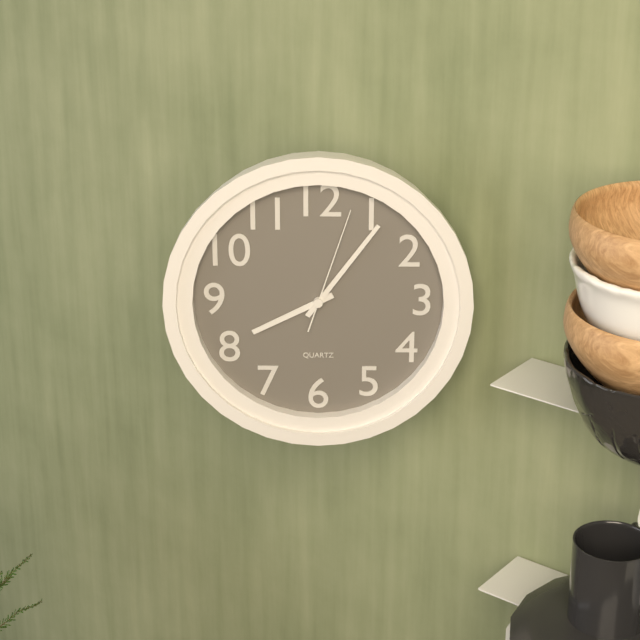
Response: 8:06:03
